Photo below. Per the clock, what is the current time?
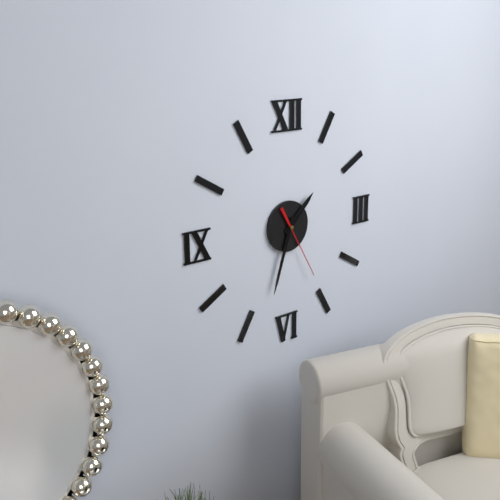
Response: 1:33:25
